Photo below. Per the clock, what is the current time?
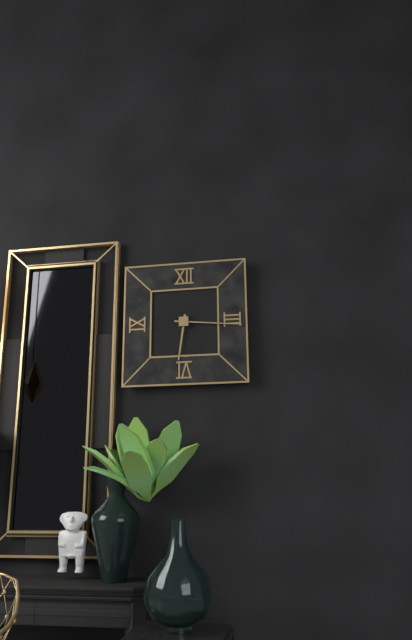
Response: 6:16
